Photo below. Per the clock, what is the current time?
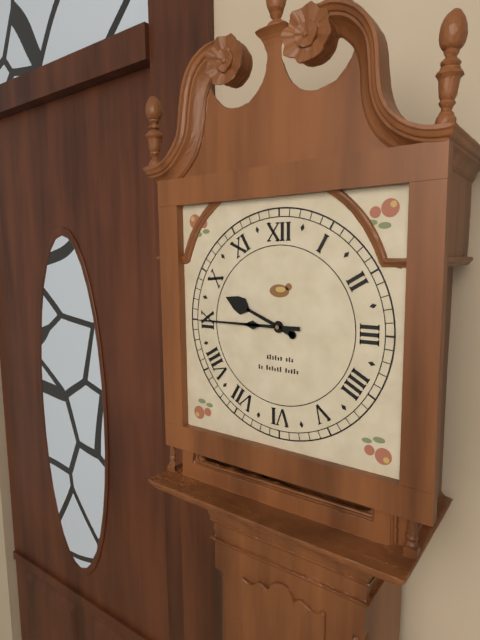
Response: 9:45
